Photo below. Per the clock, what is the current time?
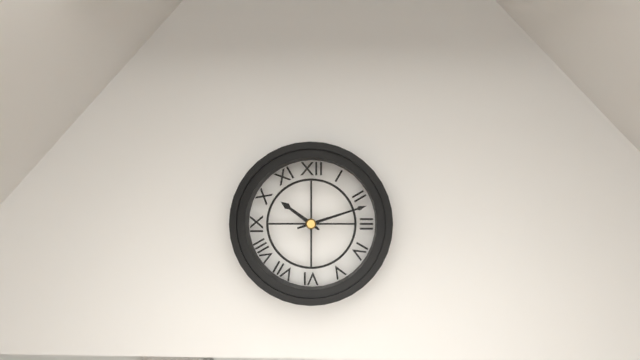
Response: 10:12
